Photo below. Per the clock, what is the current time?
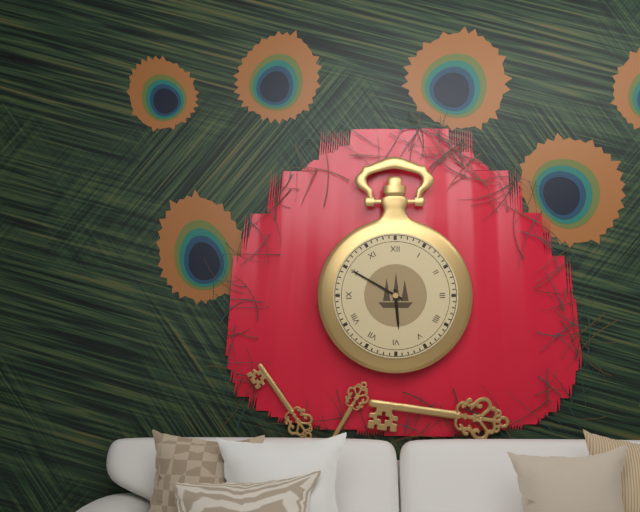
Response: 5:50
